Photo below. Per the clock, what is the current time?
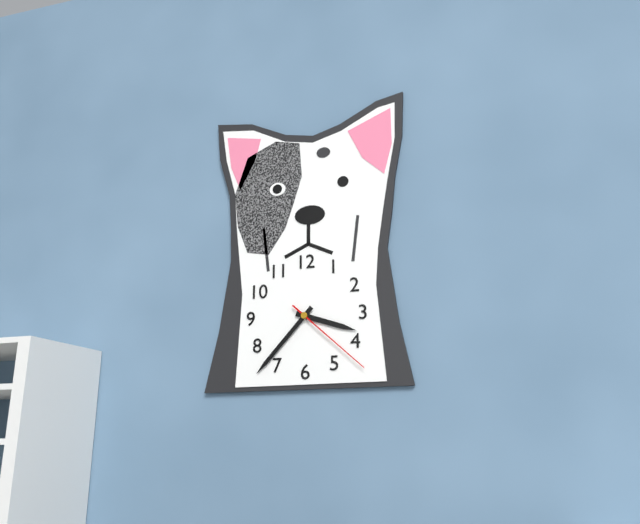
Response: 3:37:22
